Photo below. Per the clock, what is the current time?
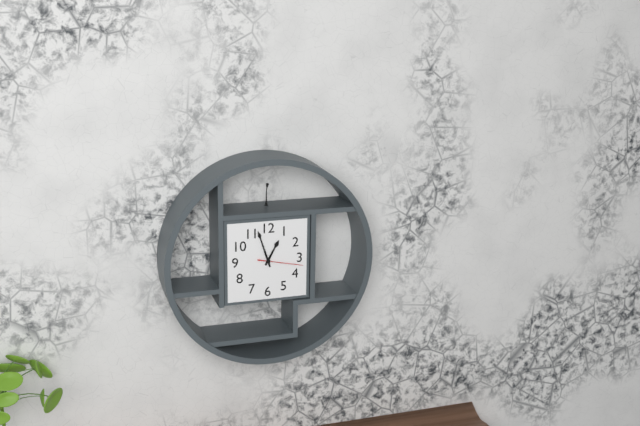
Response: 12:57
